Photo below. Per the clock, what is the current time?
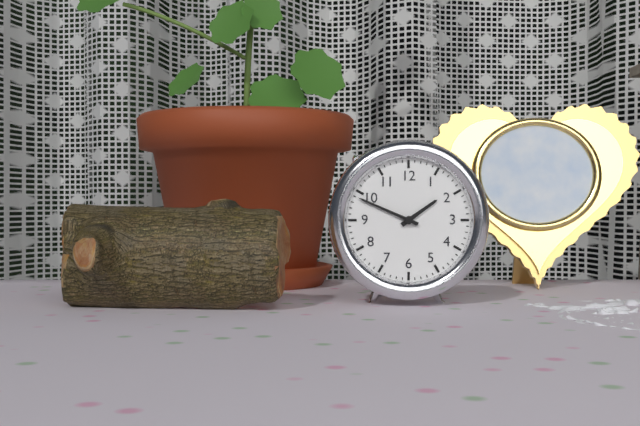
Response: 1:49
